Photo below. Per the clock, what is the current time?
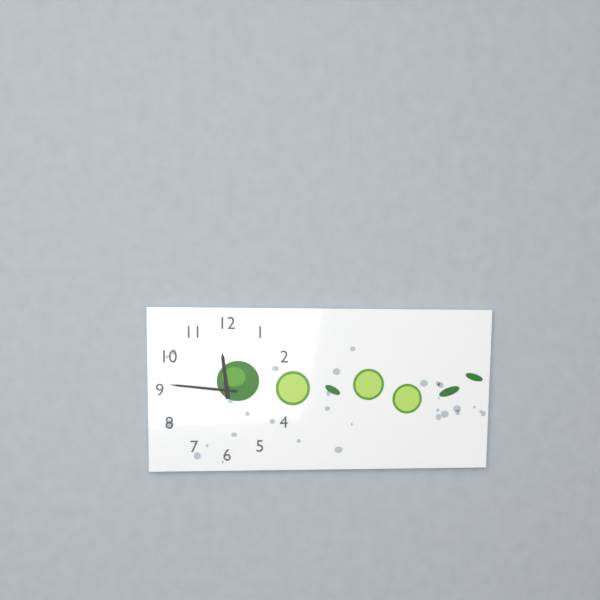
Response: 11:46
